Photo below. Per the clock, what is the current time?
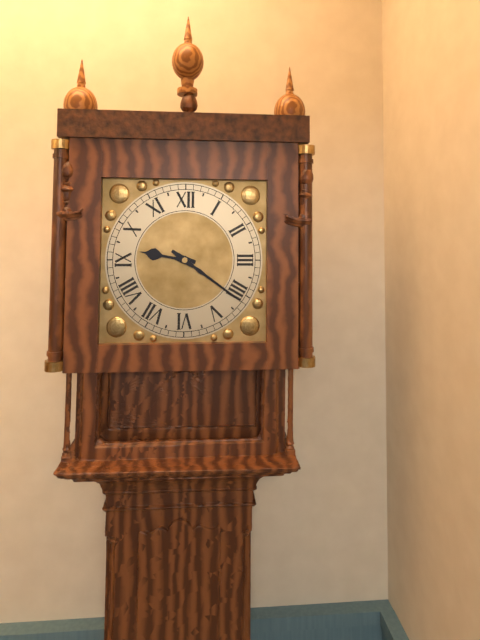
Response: 9:21
